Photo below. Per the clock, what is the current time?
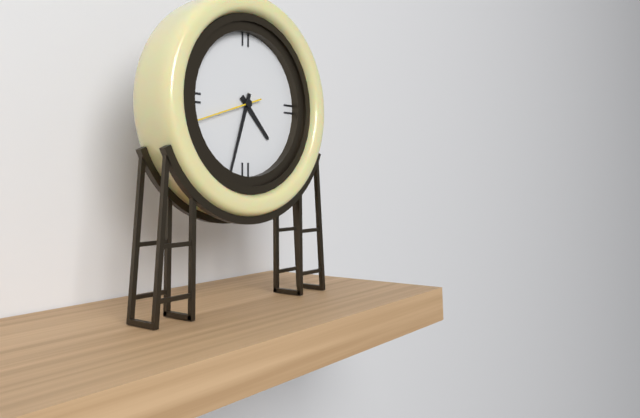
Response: 4:33:42
